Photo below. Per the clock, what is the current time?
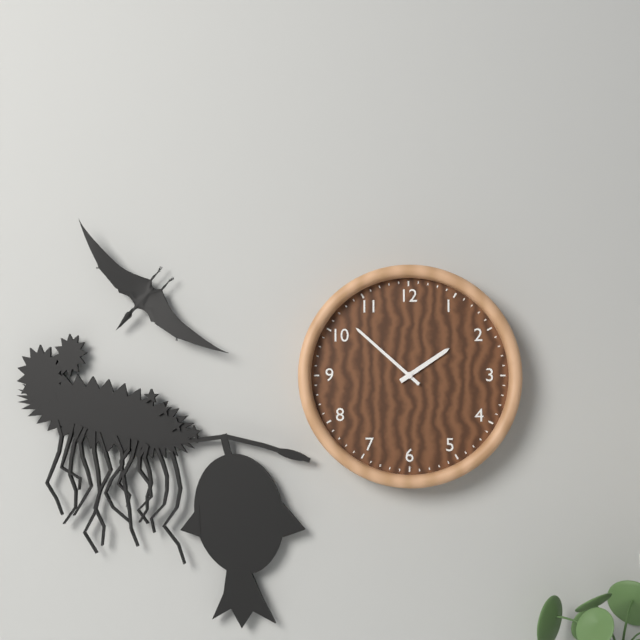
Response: 1:52
